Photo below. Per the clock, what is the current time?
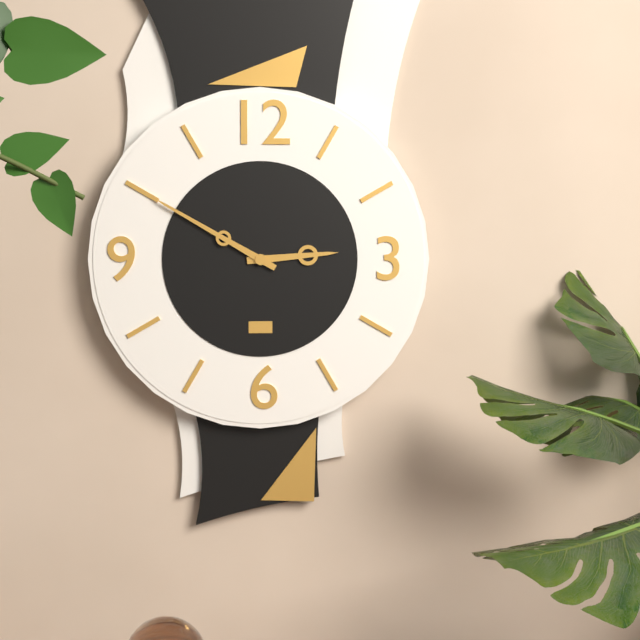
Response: 2:50
